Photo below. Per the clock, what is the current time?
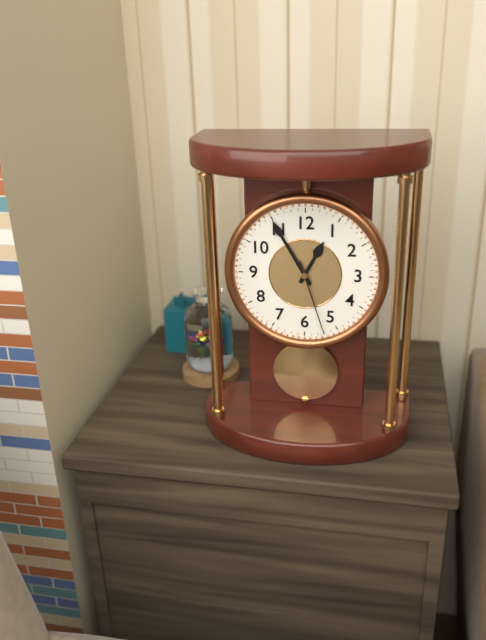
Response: 12:55:27
